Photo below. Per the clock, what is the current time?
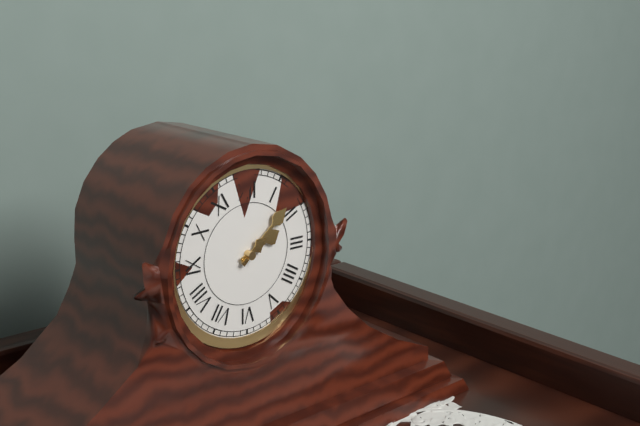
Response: 2:08
